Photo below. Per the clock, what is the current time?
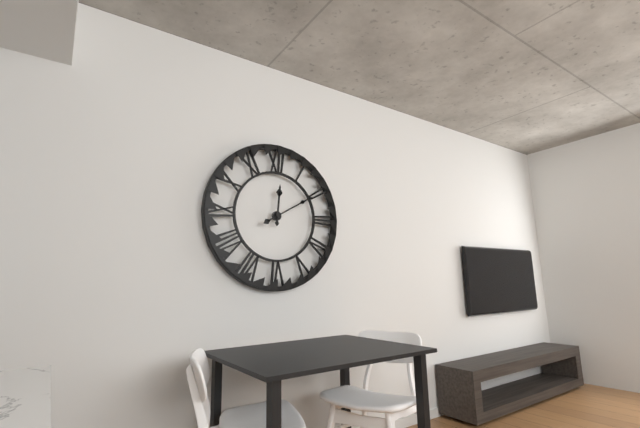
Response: 12:10
